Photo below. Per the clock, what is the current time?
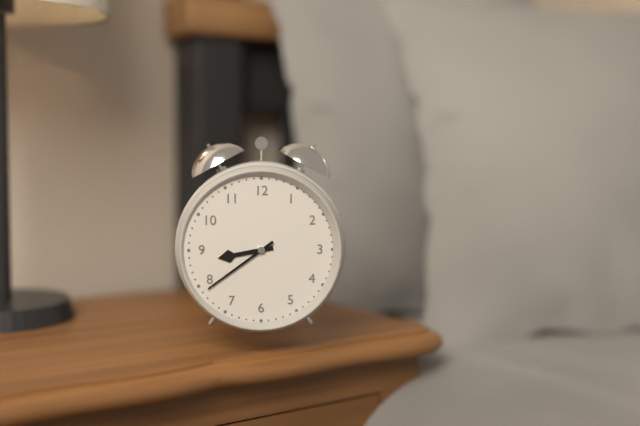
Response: 8:39
